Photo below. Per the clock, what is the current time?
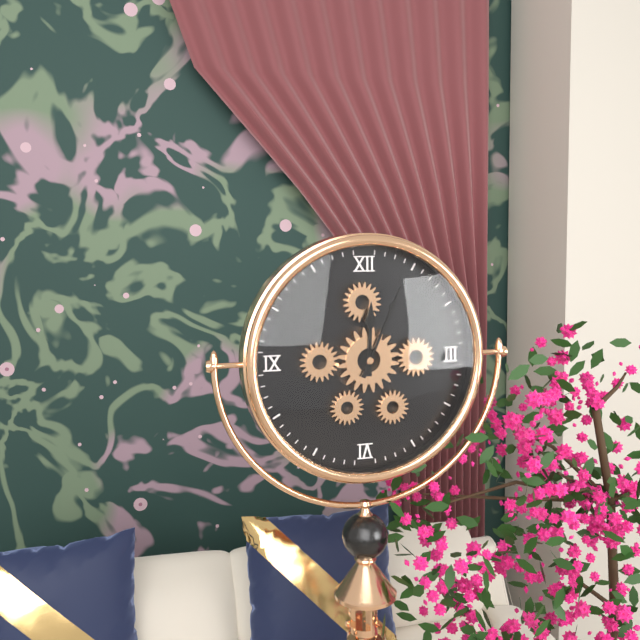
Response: 12:04
